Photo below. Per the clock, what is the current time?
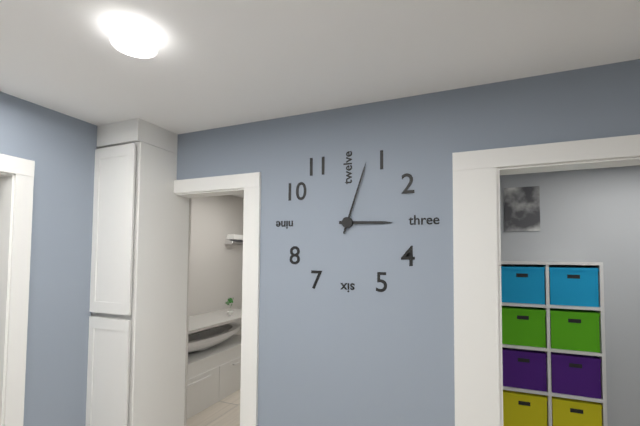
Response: 3:03
